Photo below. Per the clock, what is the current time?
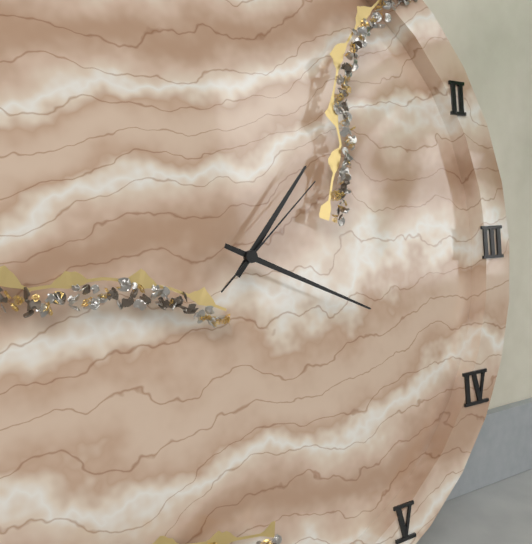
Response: 1:19:08
